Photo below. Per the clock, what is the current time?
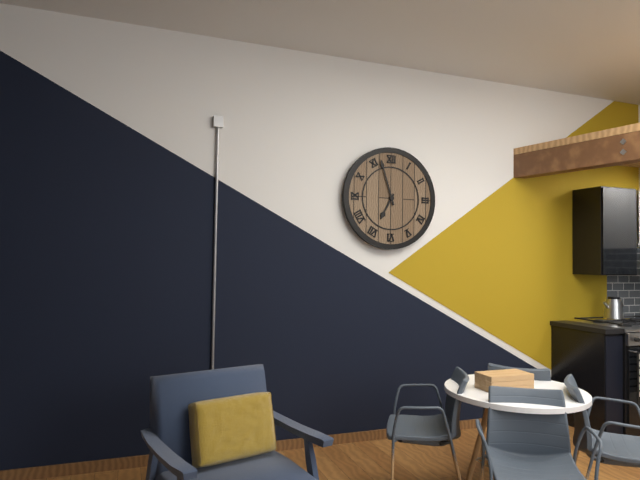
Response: 6:57
